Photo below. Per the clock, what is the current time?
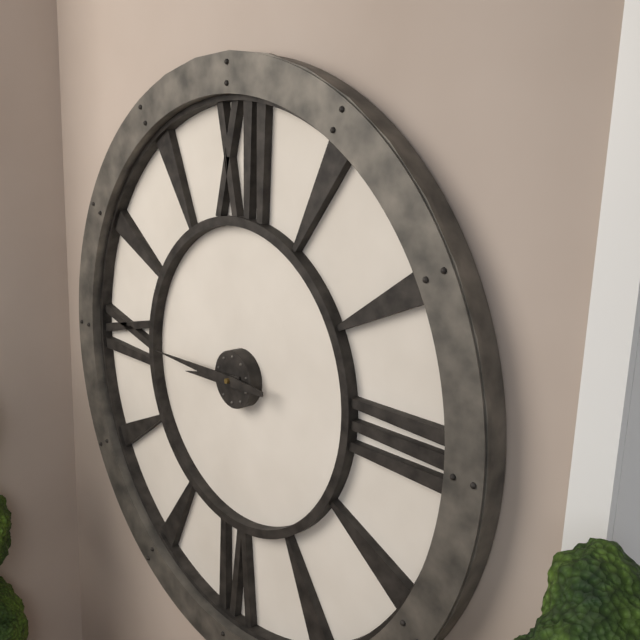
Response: 8:45
